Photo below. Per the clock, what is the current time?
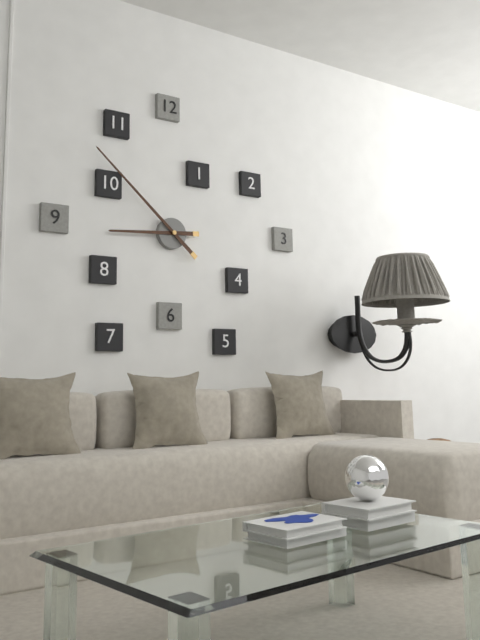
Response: 8:52
